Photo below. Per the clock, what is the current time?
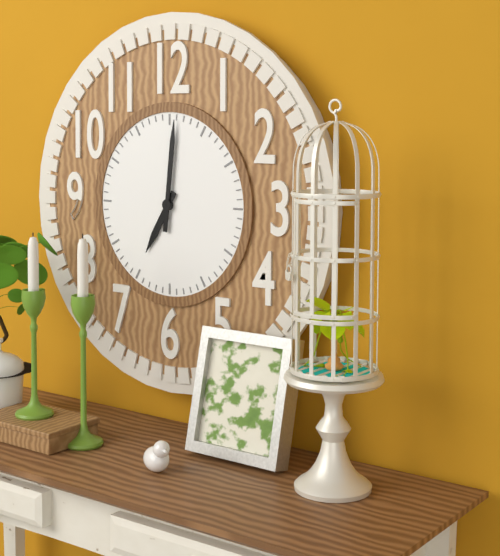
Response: 7:01
